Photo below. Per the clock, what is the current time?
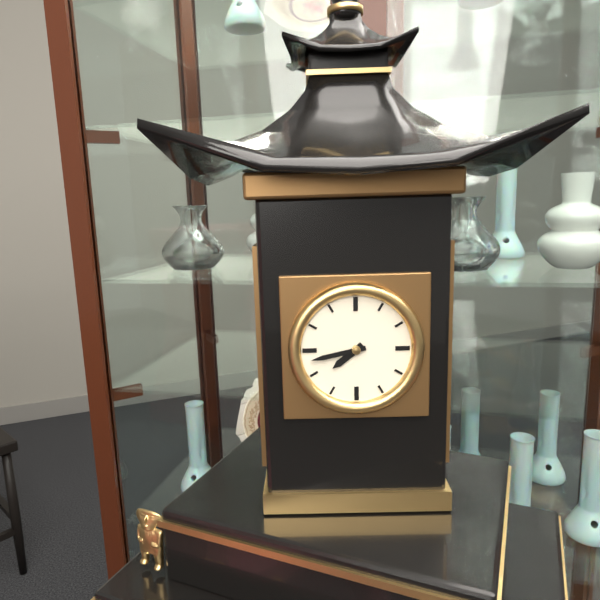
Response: 7:43
